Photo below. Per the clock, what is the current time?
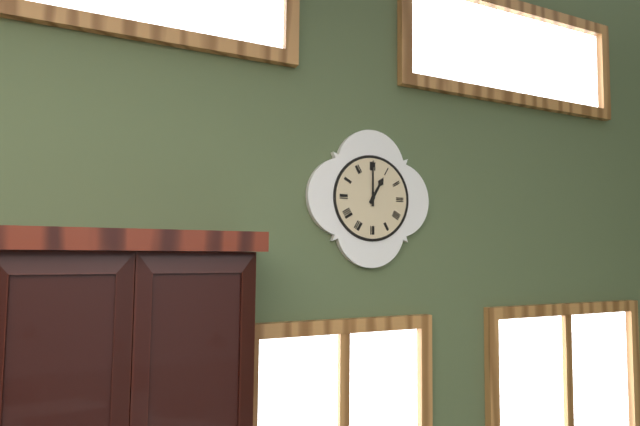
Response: 1:00
